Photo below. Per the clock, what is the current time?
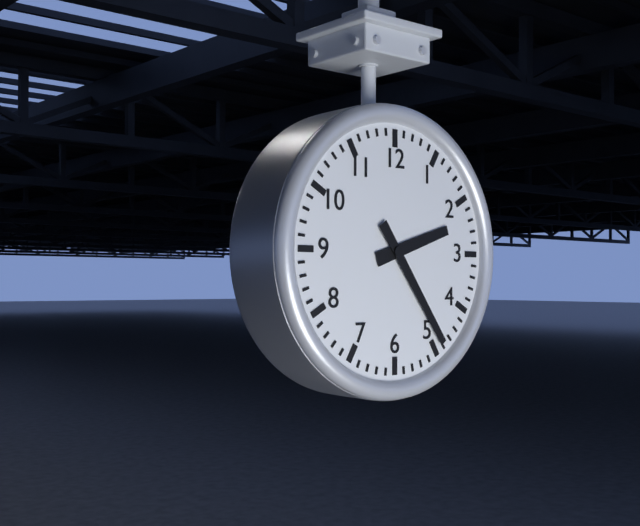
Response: 2:24
